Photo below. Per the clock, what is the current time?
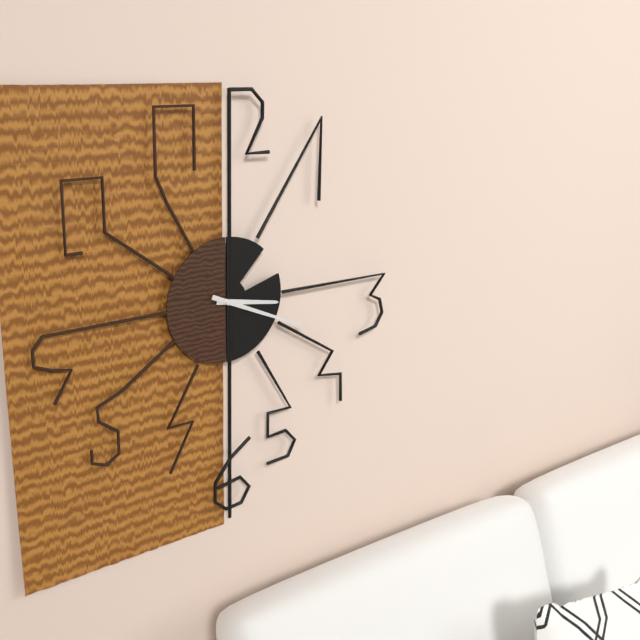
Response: 3:19
